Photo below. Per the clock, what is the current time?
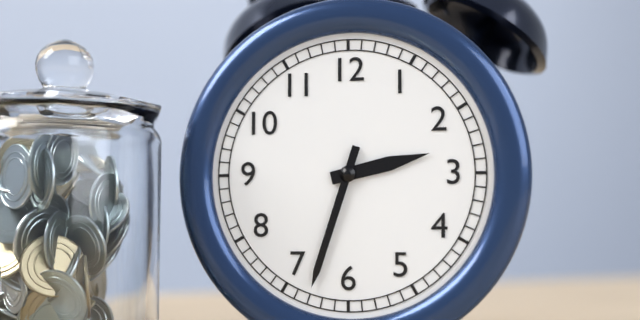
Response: 2:33
